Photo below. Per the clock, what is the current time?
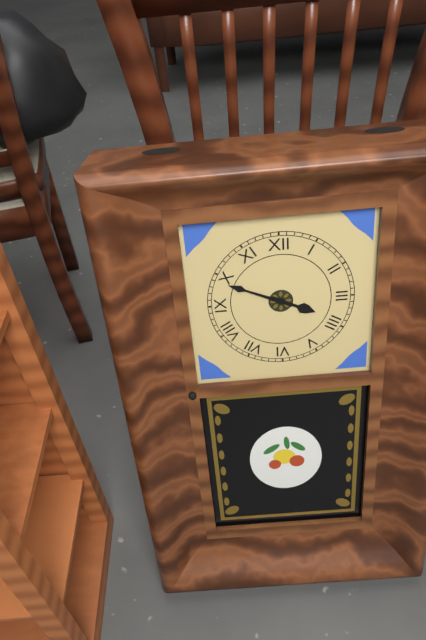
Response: 3:49
